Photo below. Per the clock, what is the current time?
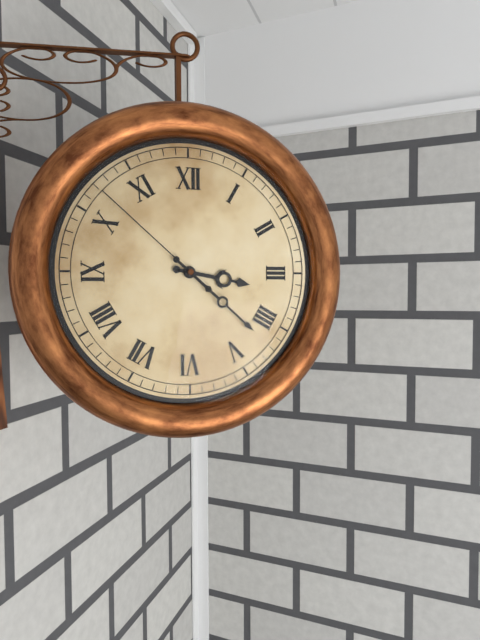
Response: 3:22:52
